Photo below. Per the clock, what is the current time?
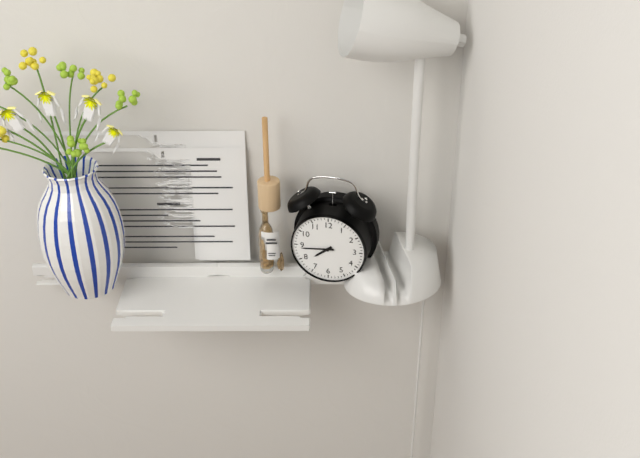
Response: 7:44
